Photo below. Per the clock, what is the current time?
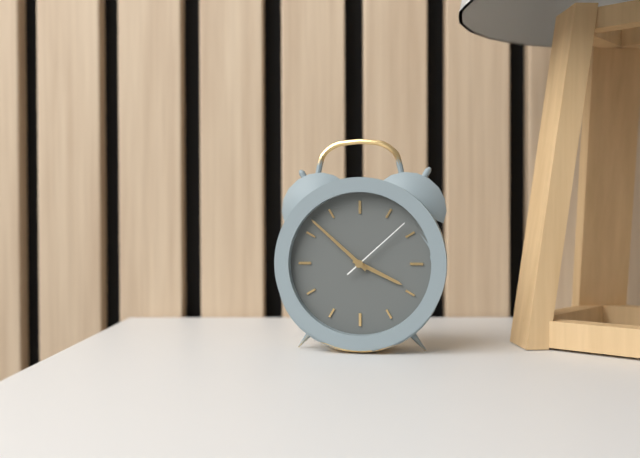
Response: 3:52:08
